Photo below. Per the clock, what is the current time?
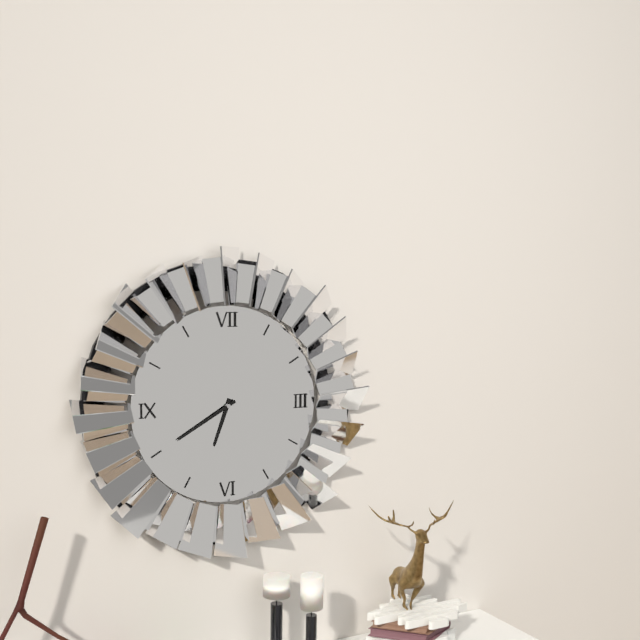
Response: 6:40
